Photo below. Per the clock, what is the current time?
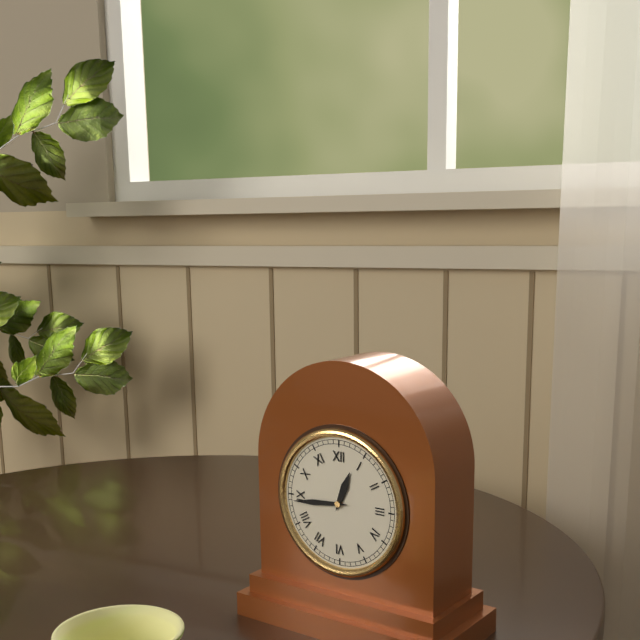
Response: 12:44
